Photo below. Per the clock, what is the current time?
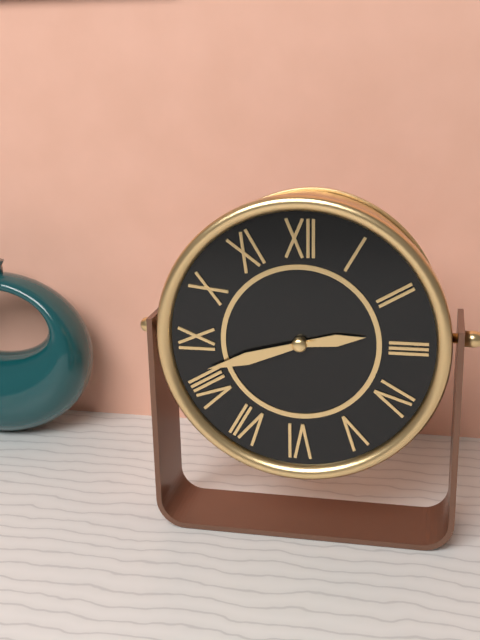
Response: 2:42
